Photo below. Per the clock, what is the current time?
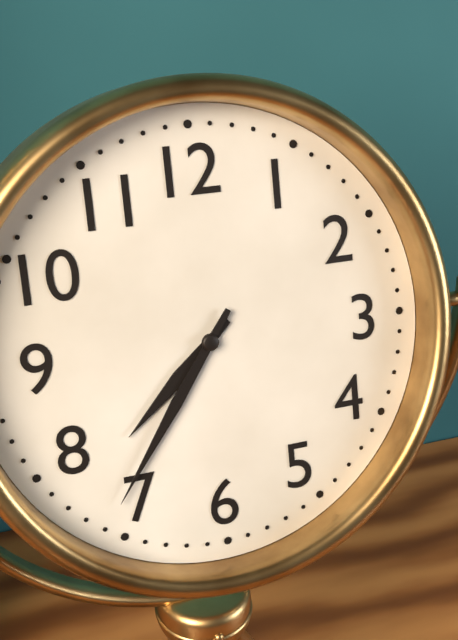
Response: 7:36
